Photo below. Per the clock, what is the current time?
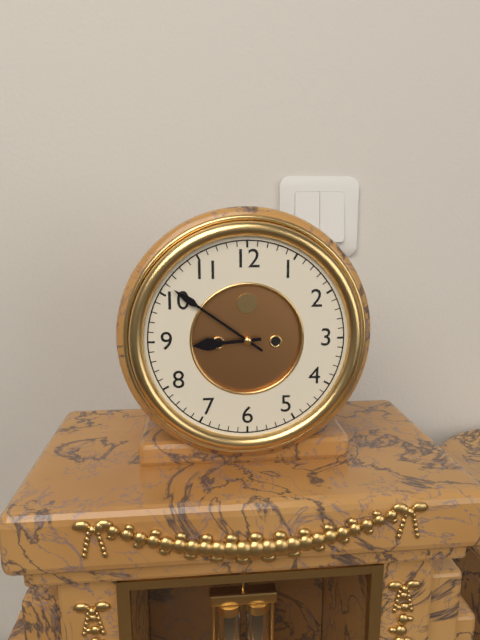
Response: 8:51
